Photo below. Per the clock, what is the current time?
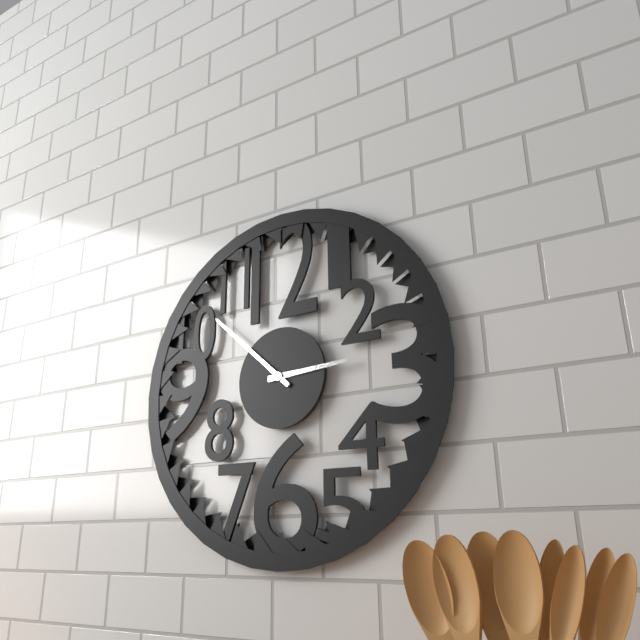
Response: 2:52
